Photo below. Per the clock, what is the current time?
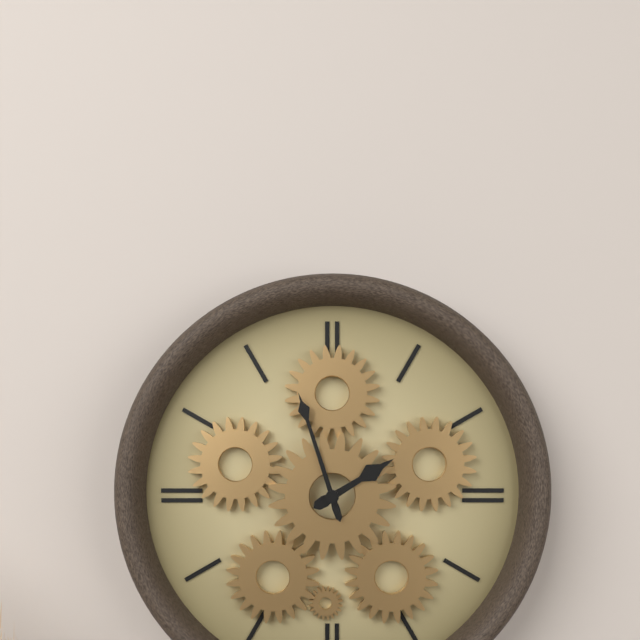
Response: 1:57
